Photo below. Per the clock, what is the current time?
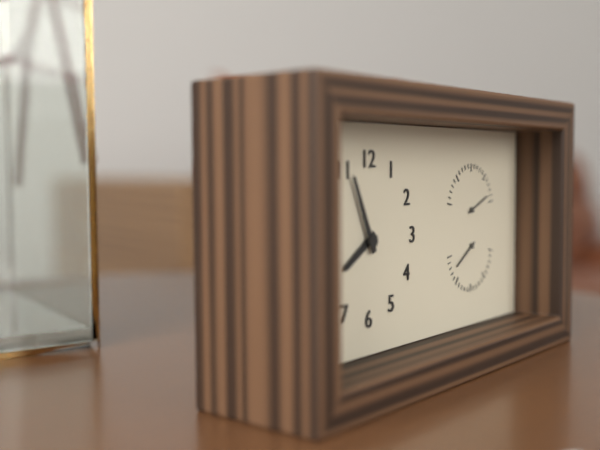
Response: 7:56
